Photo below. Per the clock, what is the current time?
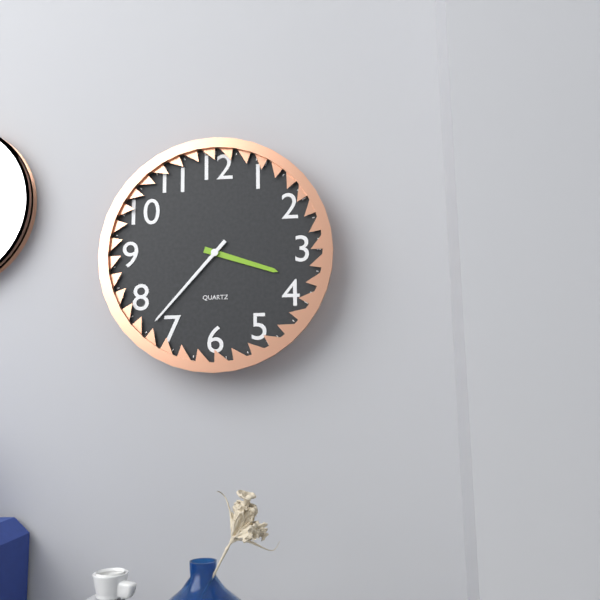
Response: 3:37
